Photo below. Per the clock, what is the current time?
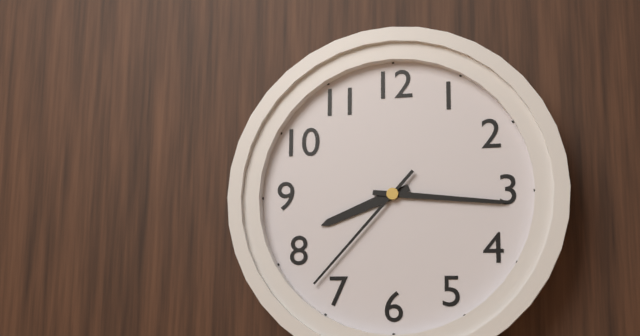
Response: 8:16:37
